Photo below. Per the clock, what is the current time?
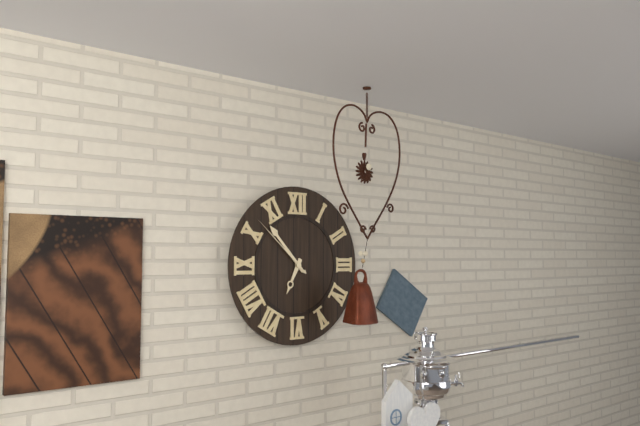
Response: 6:53:52
